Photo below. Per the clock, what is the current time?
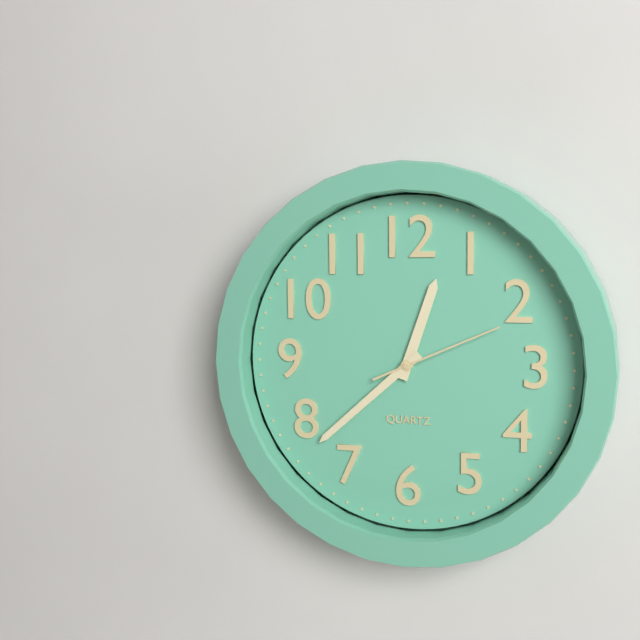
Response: 12:38:11
